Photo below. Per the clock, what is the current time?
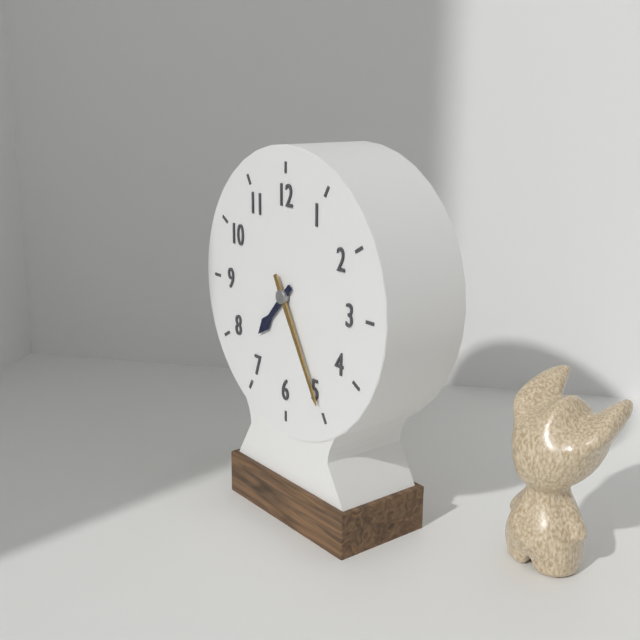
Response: 7:25
